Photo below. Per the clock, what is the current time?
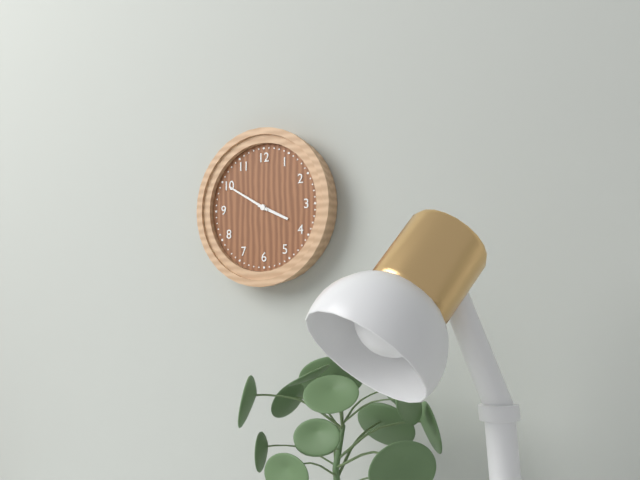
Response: 3:50
